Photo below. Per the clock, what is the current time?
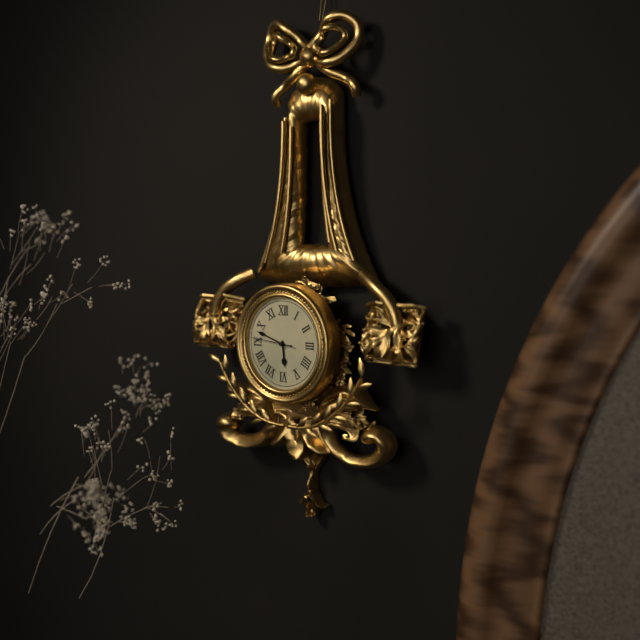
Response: 5:48
